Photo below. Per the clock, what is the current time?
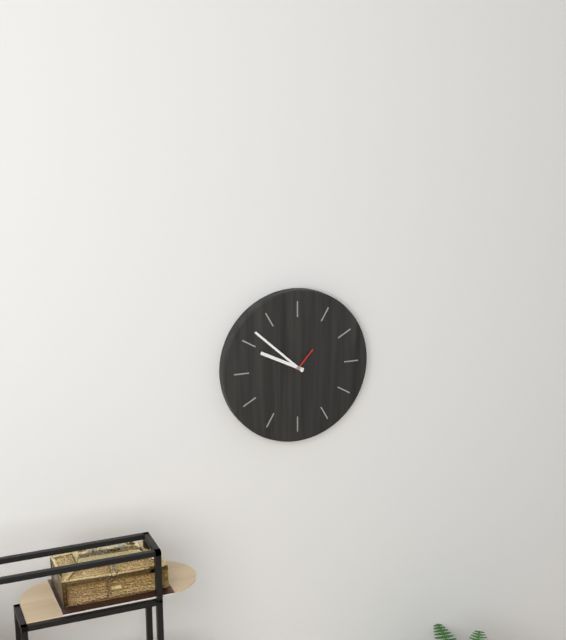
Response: 9:52
